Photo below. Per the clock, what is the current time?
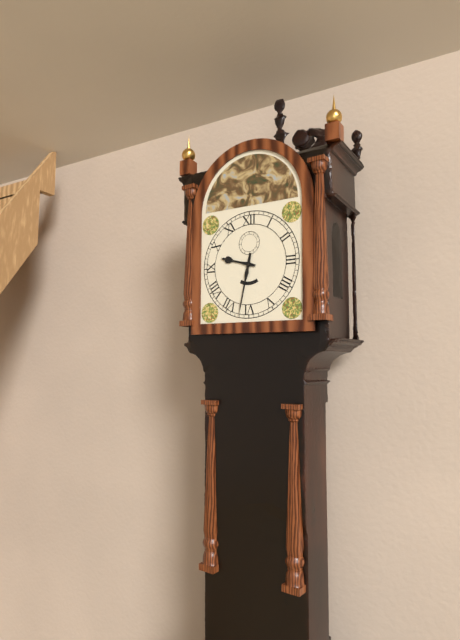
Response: 9:32
